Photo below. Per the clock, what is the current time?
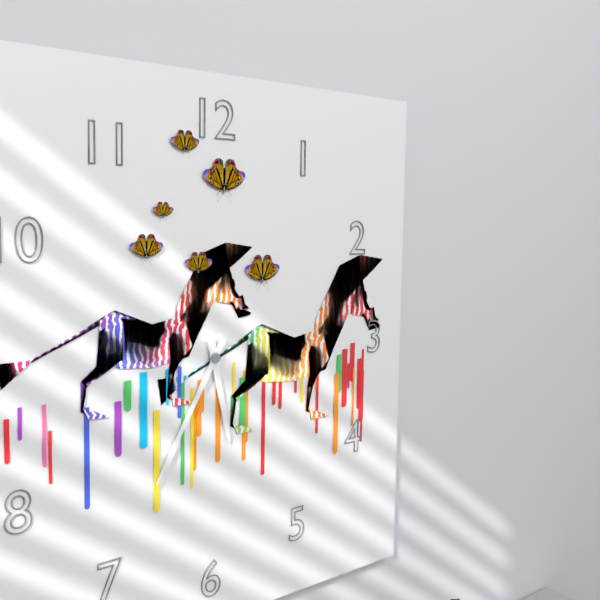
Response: 5:35
